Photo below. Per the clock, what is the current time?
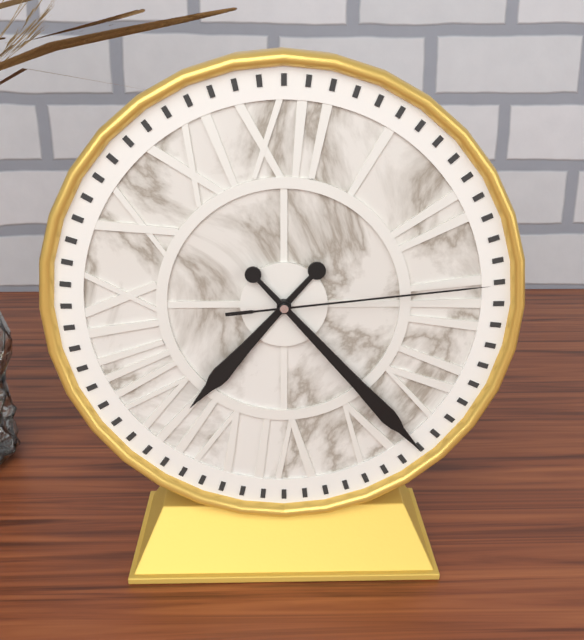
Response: 7:23:14
